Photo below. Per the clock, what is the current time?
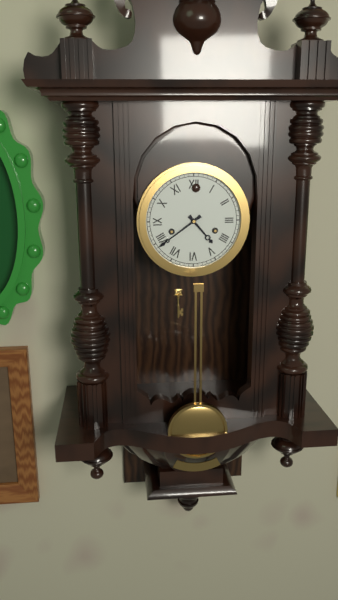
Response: 4:39
